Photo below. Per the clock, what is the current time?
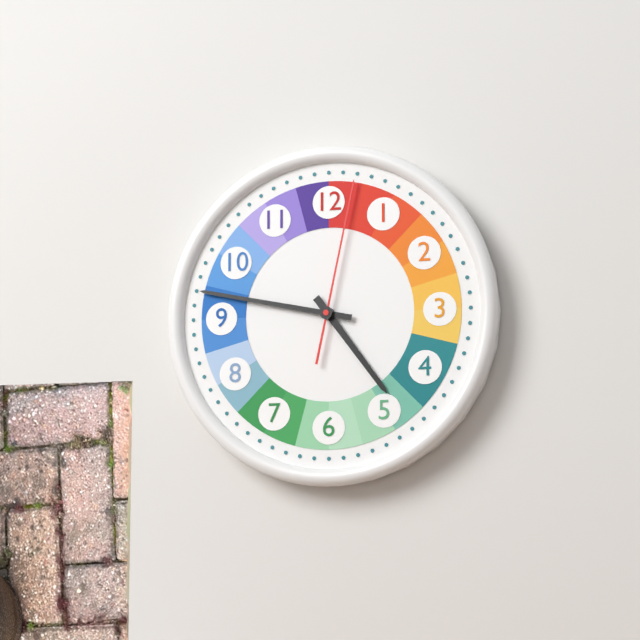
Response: 4:47:02
